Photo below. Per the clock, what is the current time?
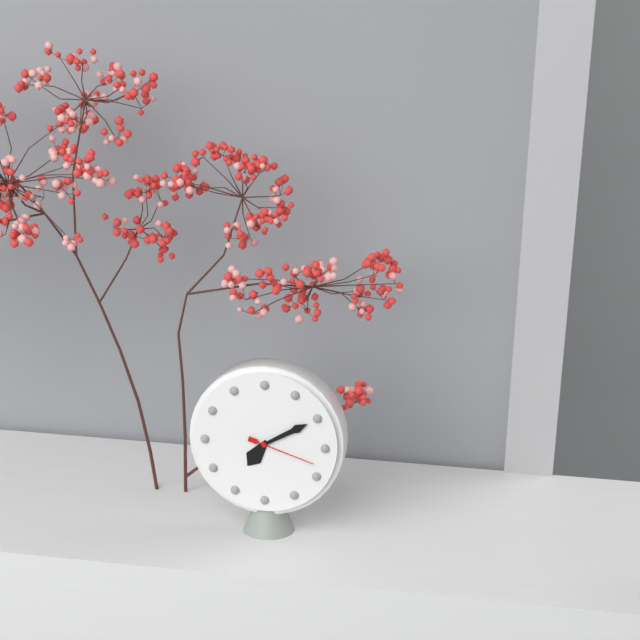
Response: 7:10:18
